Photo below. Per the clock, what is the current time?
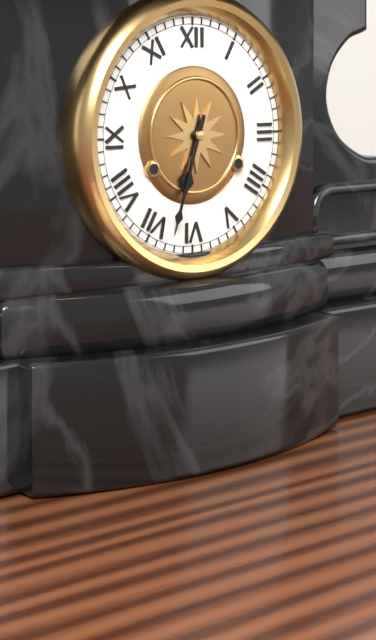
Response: 6:33
